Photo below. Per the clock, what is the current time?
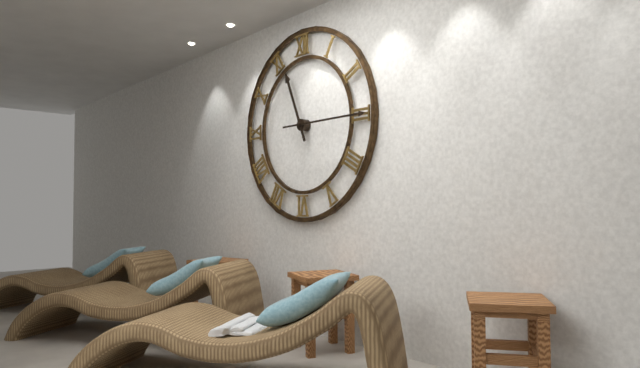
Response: 11:15
